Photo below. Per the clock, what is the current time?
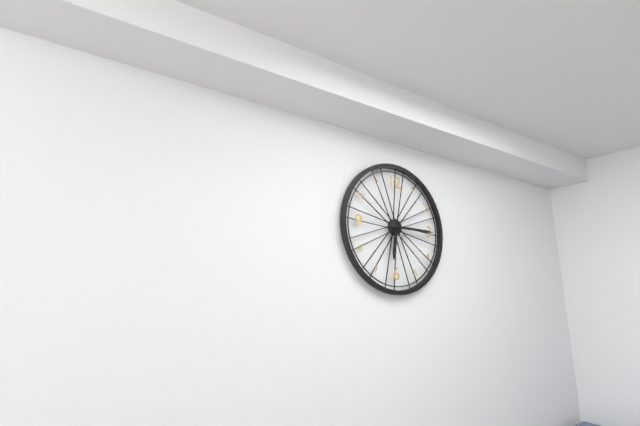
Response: 6:15
